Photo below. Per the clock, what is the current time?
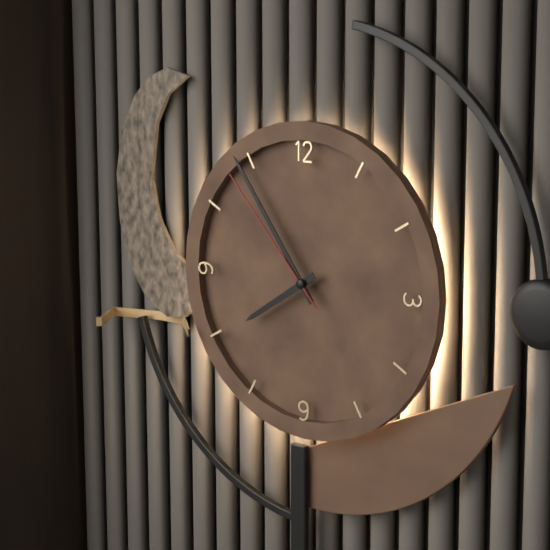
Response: 7:54:53
